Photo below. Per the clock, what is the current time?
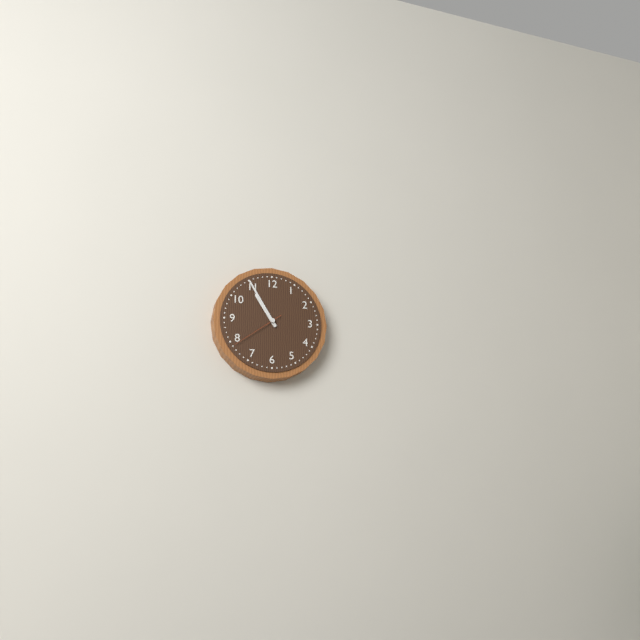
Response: 10:55:39
